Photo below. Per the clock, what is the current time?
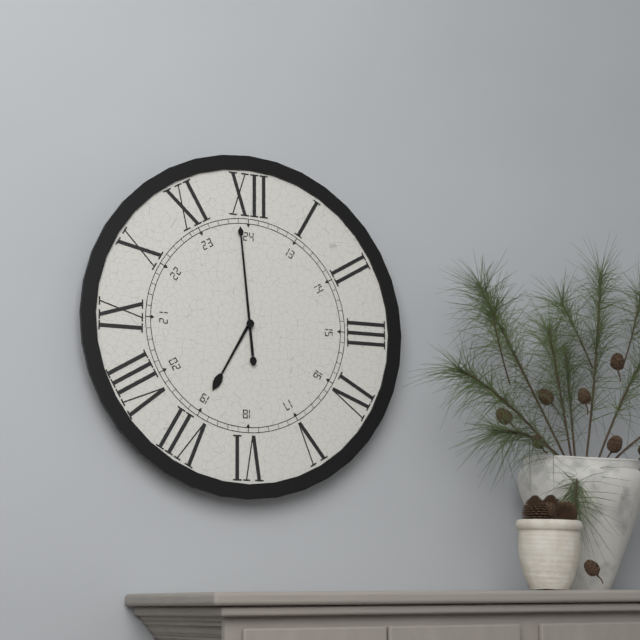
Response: 6:59
